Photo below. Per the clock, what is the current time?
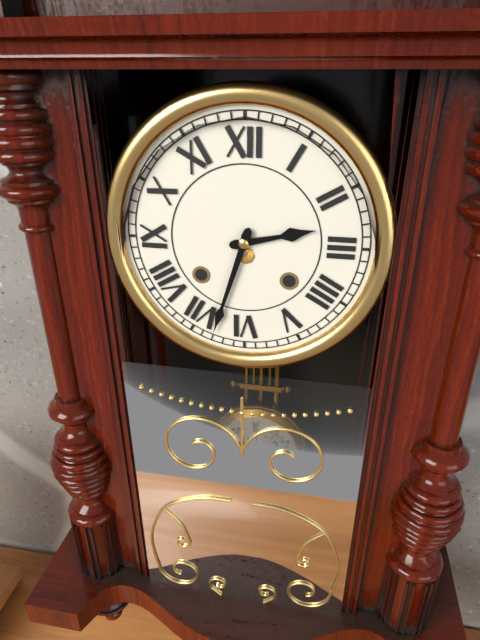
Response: 2:33
